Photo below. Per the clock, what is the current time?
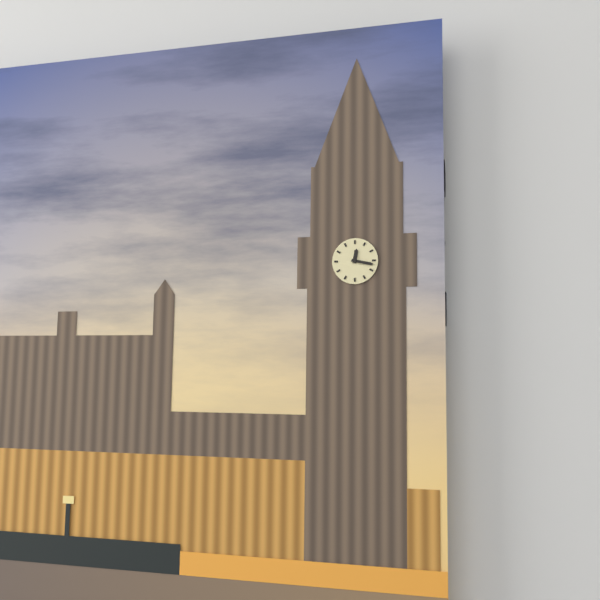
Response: 12:17
